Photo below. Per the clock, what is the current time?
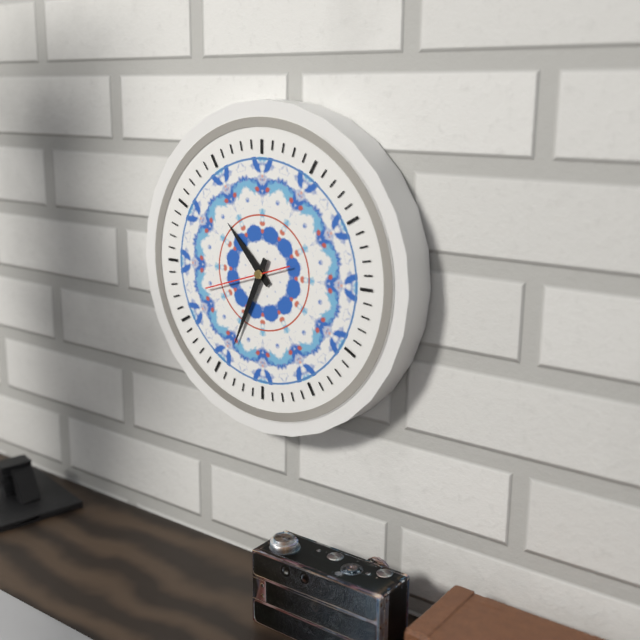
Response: 10:34:42
